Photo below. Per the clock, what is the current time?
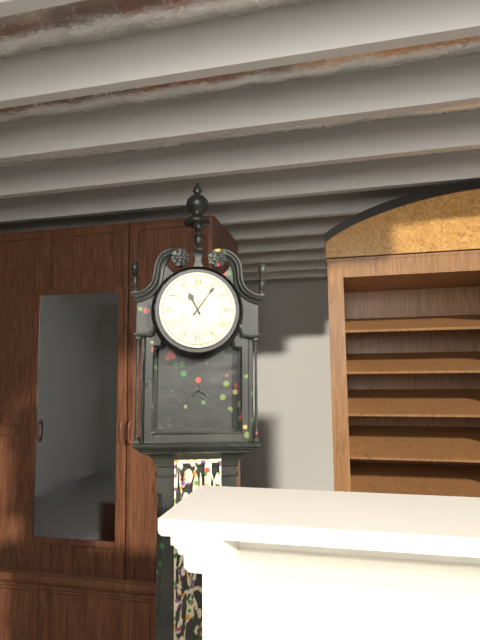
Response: 11:06
